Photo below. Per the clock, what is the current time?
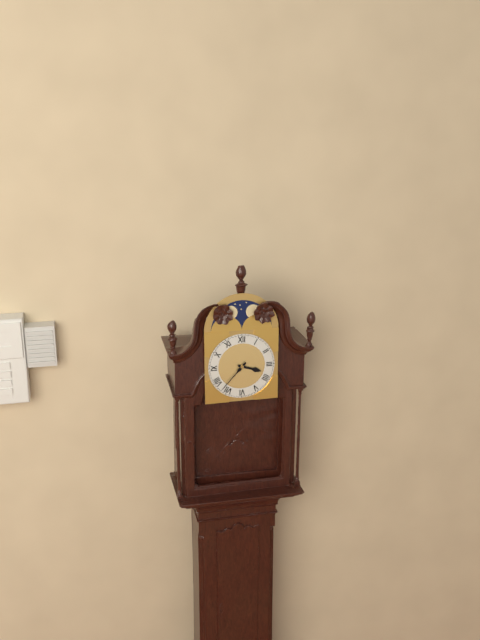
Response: 3:37
